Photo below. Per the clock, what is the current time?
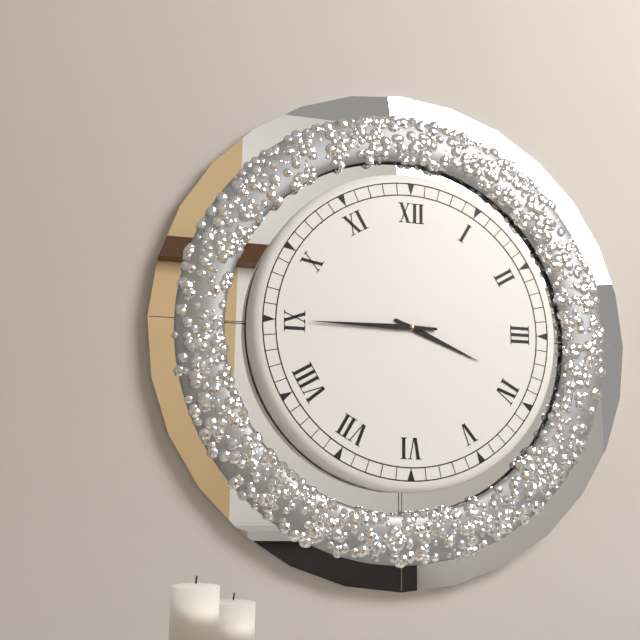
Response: 3:45
